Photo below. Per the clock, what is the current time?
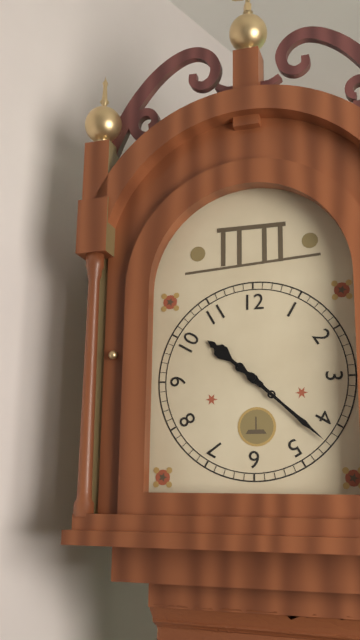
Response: 10:22
